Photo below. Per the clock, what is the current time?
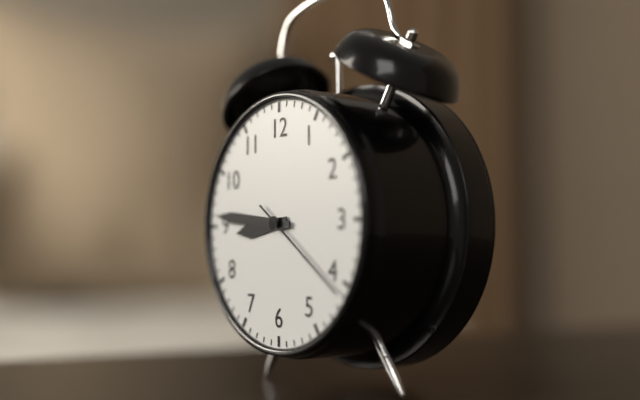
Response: 8:46:21
